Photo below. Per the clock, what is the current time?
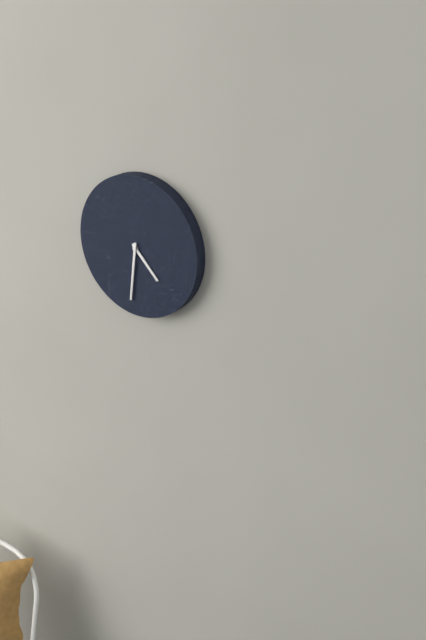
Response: 4:31
